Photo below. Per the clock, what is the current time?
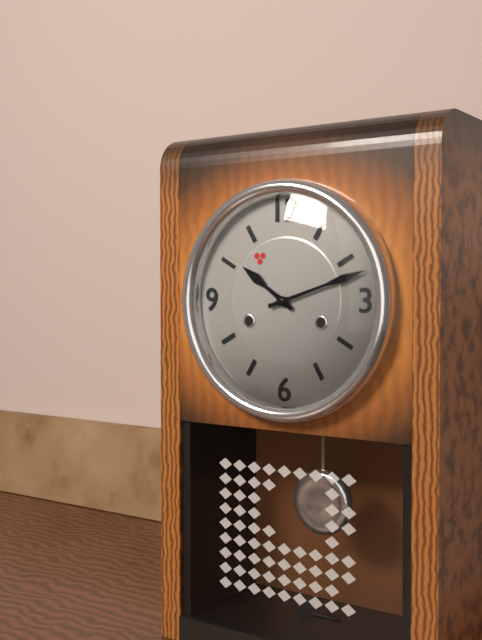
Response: 10:12
